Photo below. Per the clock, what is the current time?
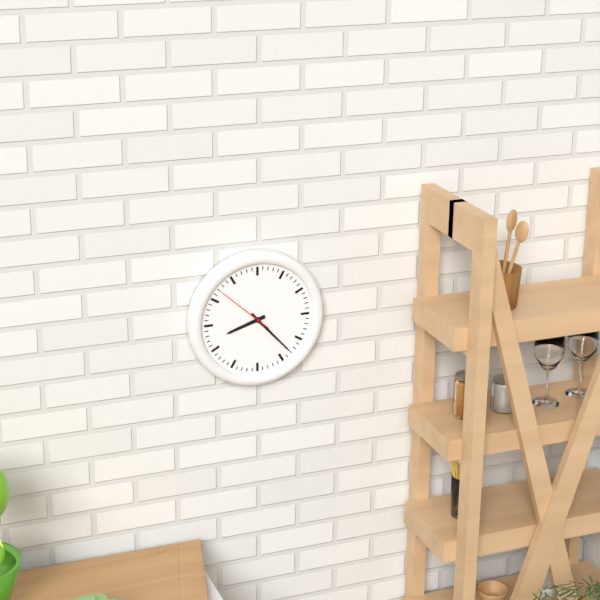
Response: 8:23:52
